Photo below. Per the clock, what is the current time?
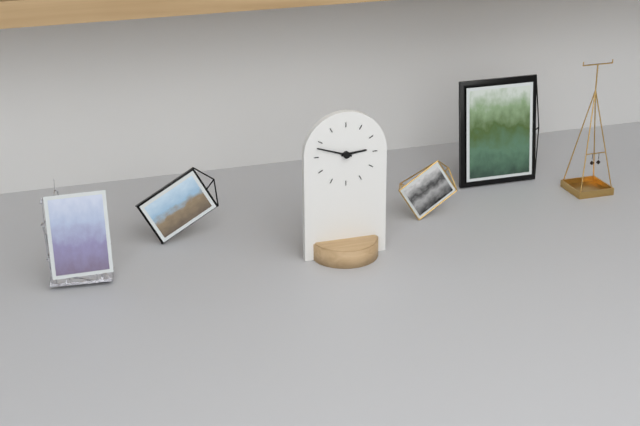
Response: 2:48
